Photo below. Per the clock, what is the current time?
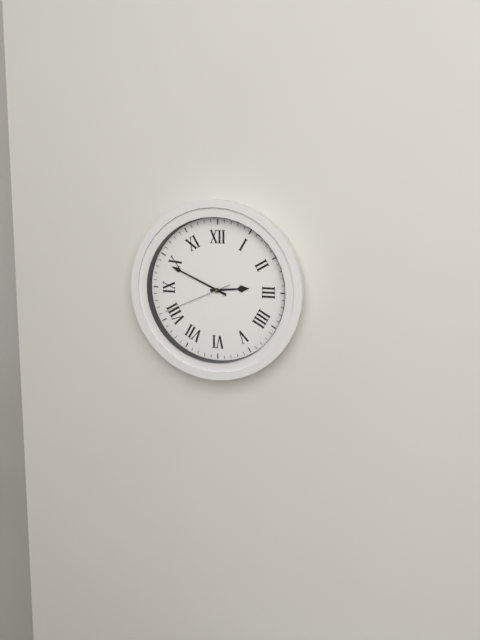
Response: 2:49:41
